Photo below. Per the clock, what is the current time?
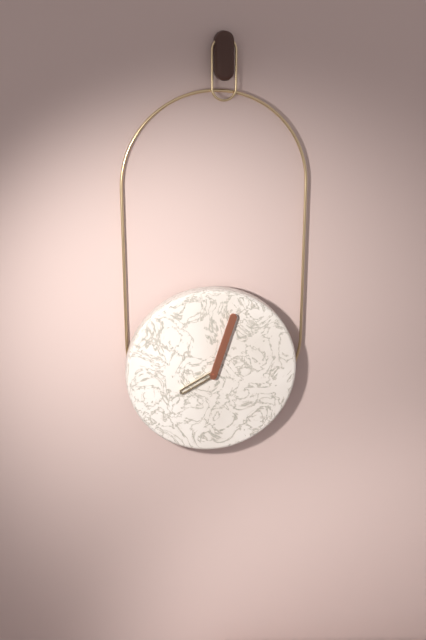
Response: 8:03
